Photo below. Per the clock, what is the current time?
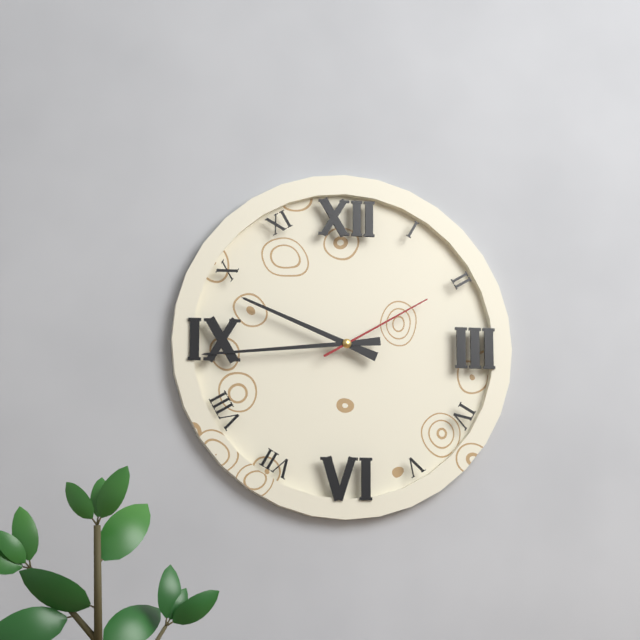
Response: 9:44:10
